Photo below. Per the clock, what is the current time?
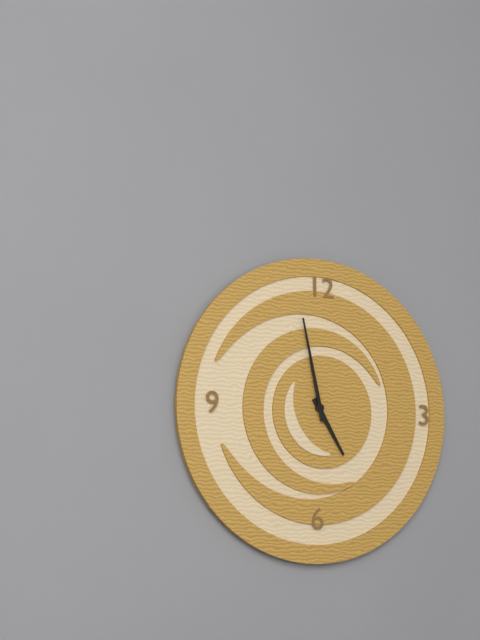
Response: 4:58
